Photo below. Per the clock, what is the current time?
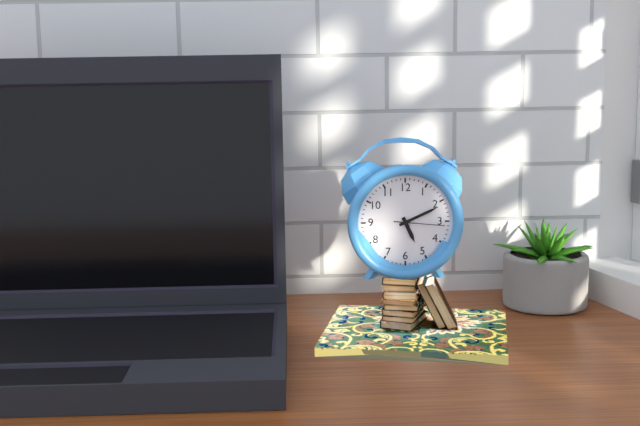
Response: 5:11
